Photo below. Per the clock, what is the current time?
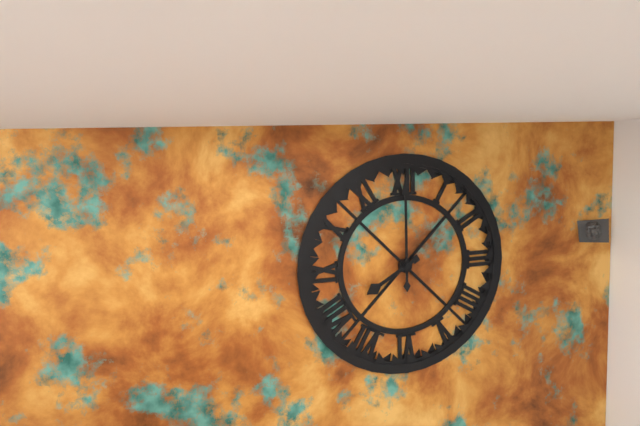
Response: 8:00
